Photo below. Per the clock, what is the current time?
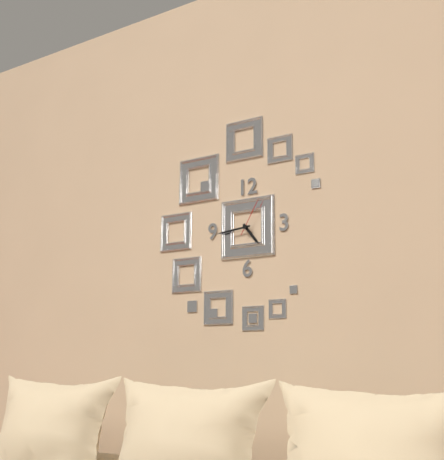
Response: 4:44
